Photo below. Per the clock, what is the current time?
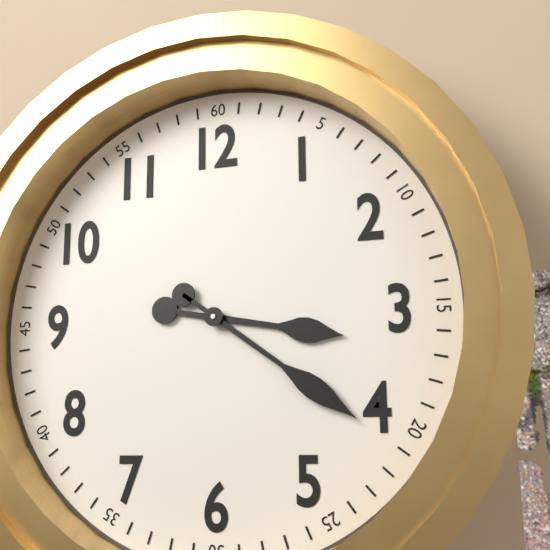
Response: 3:21
